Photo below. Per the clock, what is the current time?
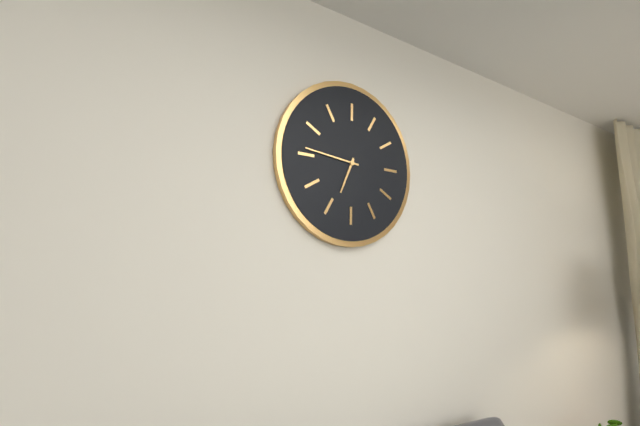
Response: 6:46
